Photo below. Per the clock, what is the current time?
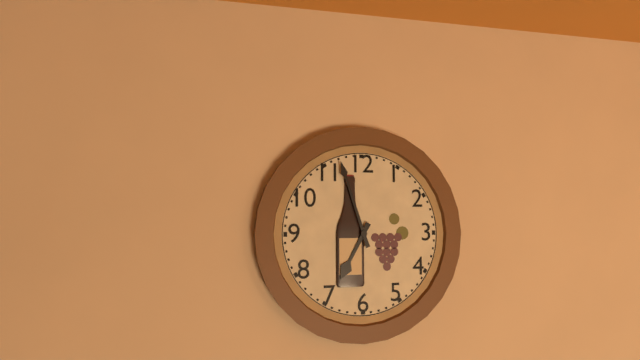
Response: 6:57
